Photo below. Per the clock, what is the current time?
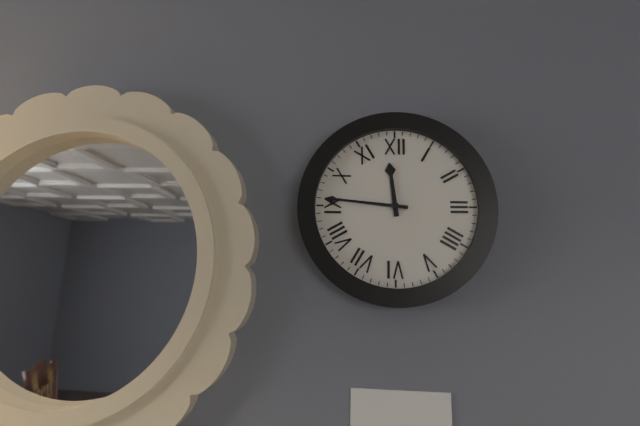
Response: 11:46
